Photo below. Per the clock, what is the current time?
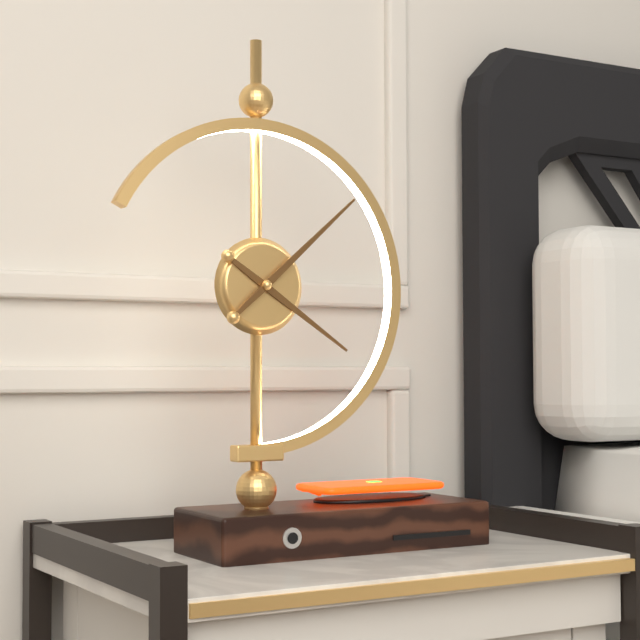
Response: 4:08
